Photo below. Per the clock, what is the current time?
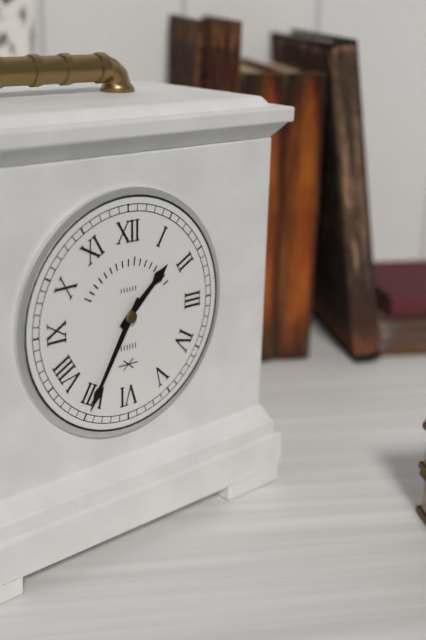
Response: 1:35
